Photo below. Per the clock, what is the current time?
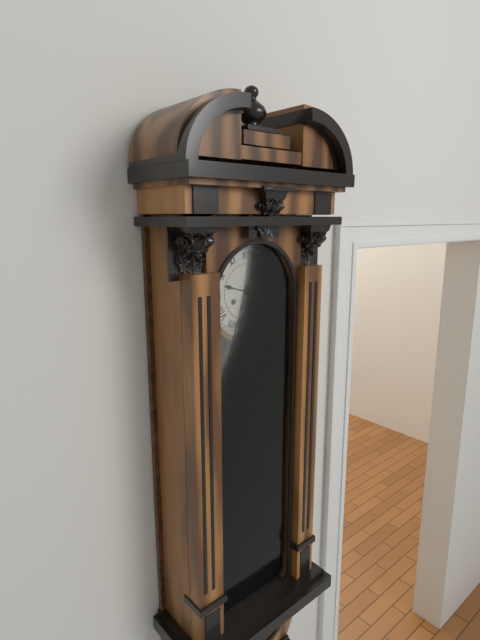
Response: 9:33
